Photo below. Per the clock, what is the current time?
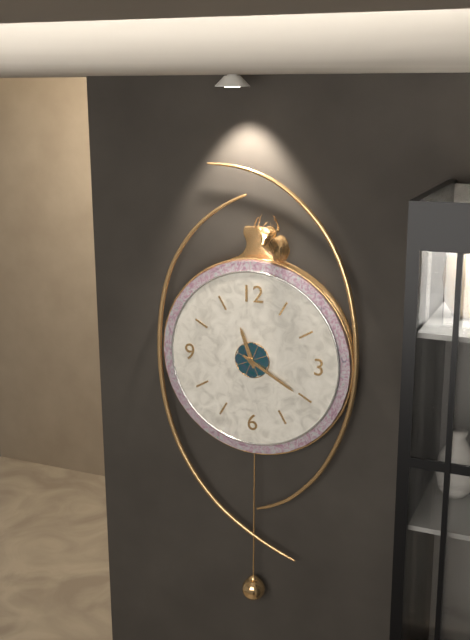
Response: 11:20
